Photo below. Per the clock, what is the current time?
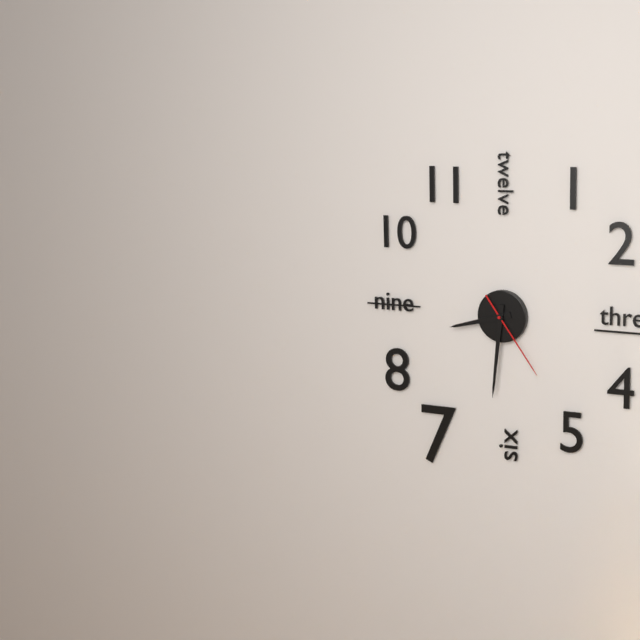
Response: 8:31:24
